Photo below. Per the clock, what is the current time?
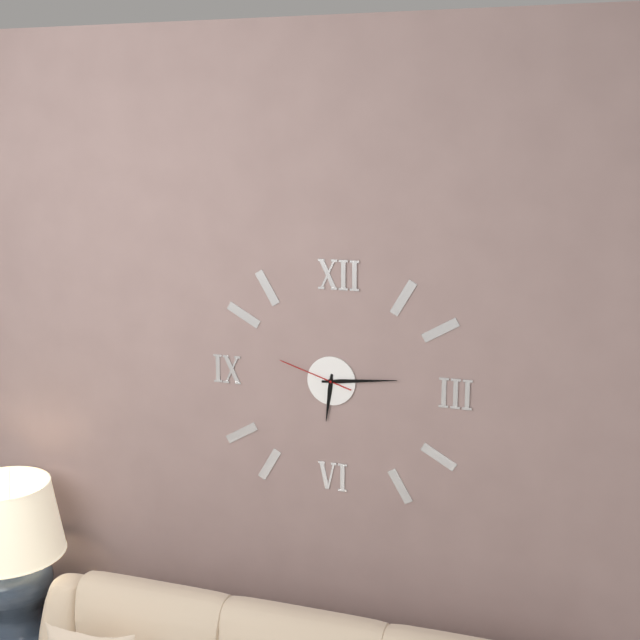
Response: 6:14:48
